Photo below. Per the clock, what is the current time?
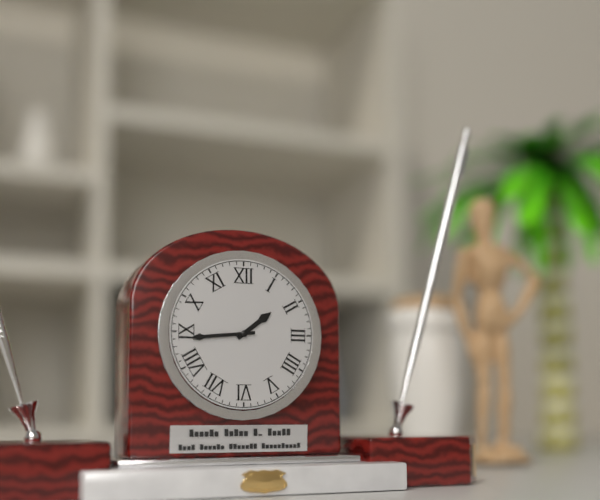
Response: 1:44
